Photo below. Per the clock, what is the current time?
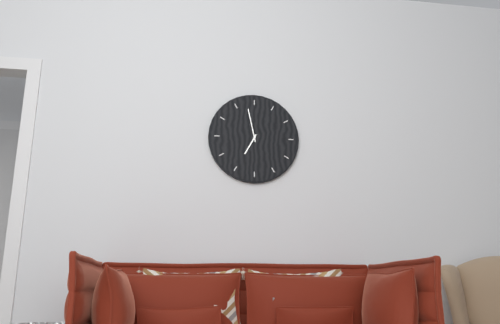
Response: 6:58
